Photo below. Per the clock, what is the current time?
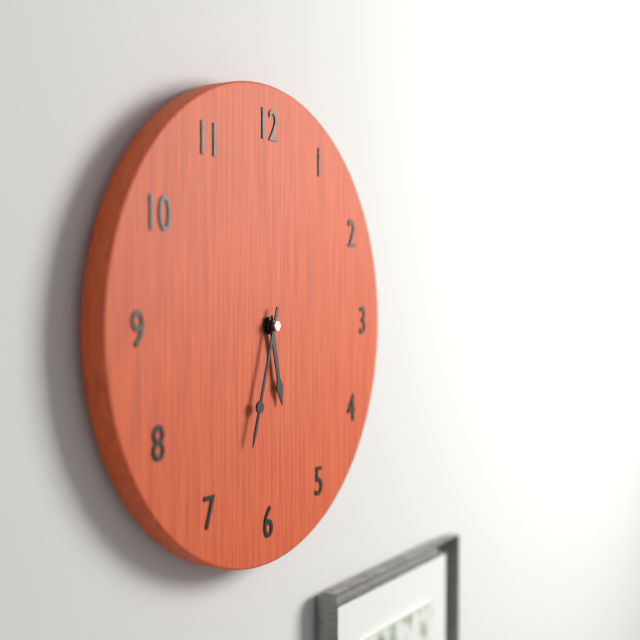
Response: 5:33
